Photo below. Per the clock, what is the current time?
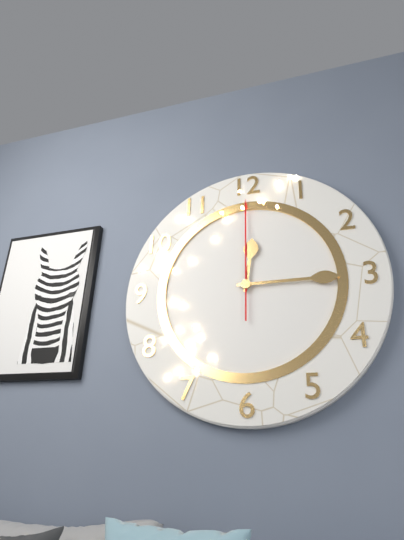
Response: 12:15:00
